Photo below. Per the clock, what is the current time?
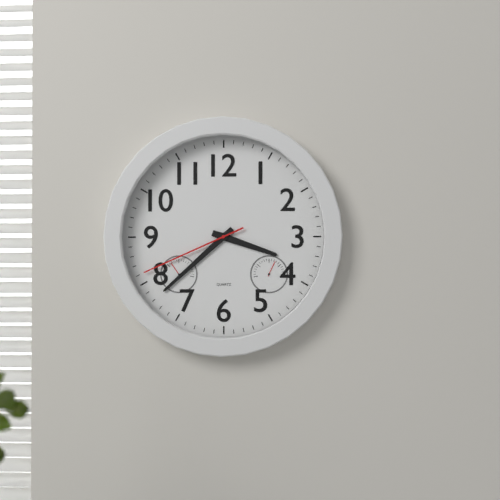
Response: 3:38:41
